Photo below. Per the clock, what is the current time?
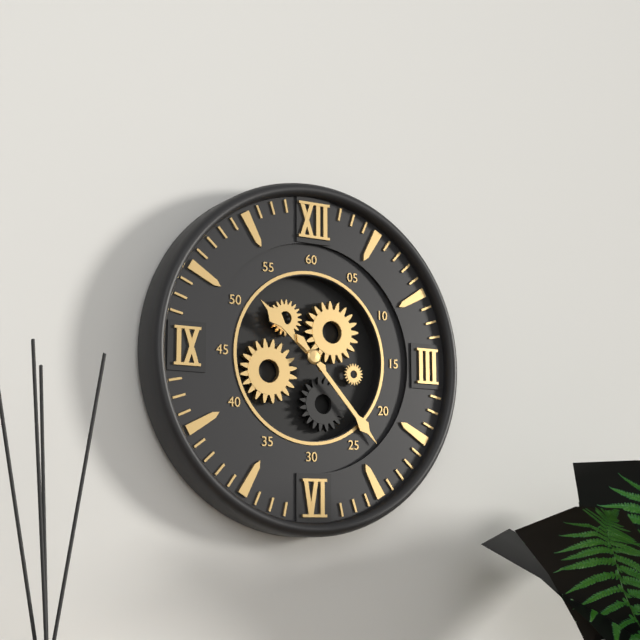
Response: 10:23
